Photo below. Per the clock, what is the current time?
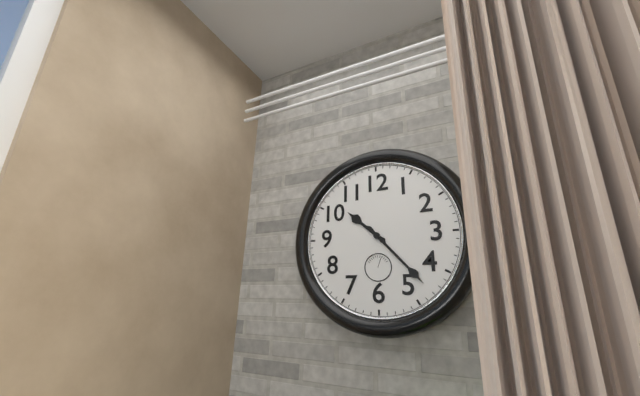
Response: 10:23
